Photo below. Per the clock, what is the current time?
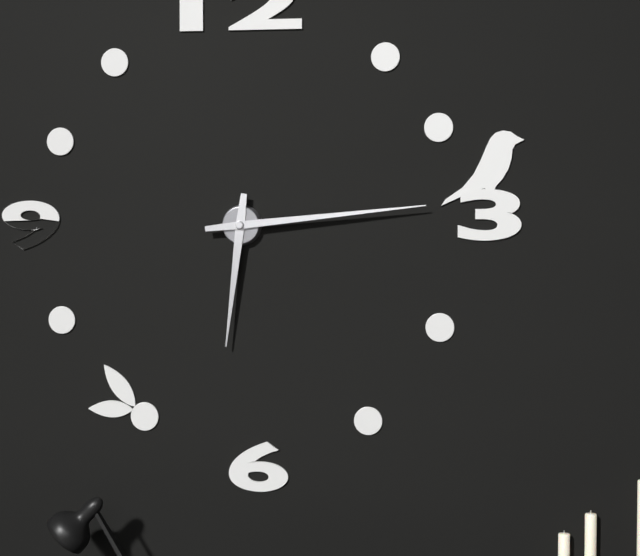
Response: 6:14
